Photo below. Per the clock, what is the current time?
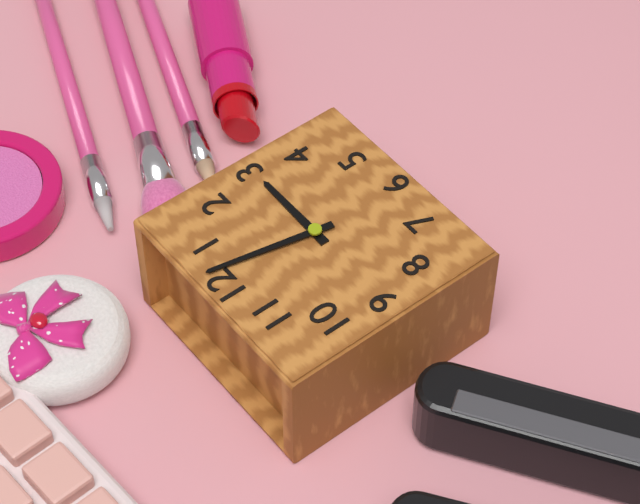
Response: 3:02
